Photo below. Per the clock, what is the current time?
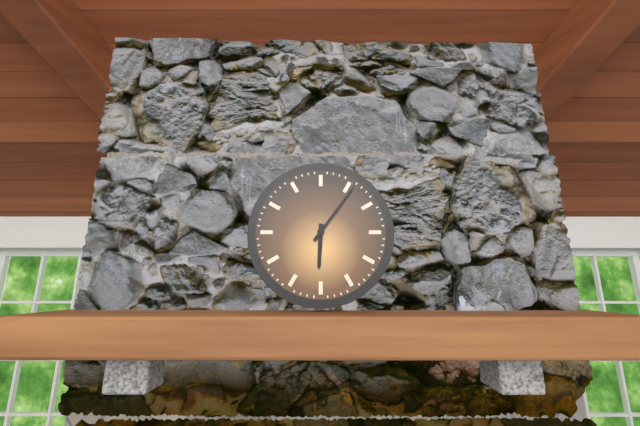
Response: 6:06
